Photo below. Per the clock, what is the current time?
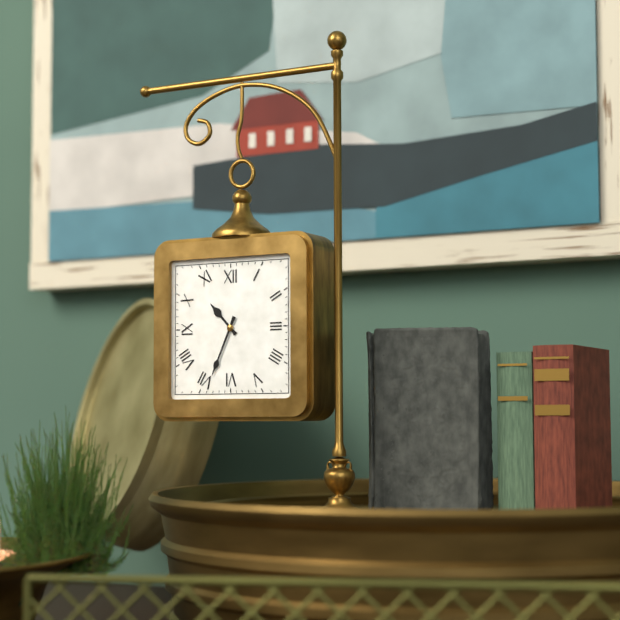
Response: 10:34
